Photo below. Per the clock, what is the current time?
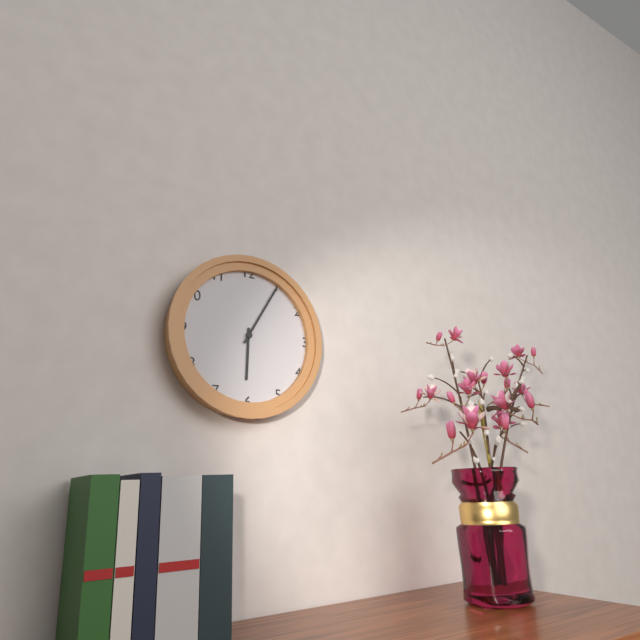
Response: 6:05
